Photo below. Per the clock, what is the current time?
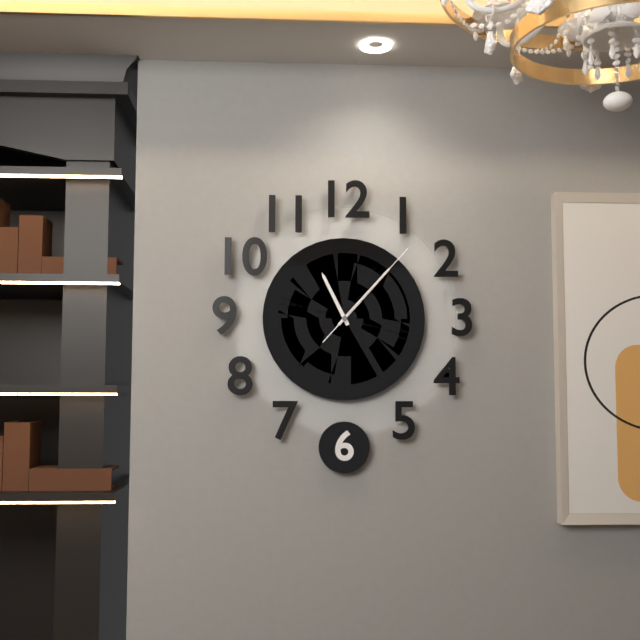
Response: 11:07:07
